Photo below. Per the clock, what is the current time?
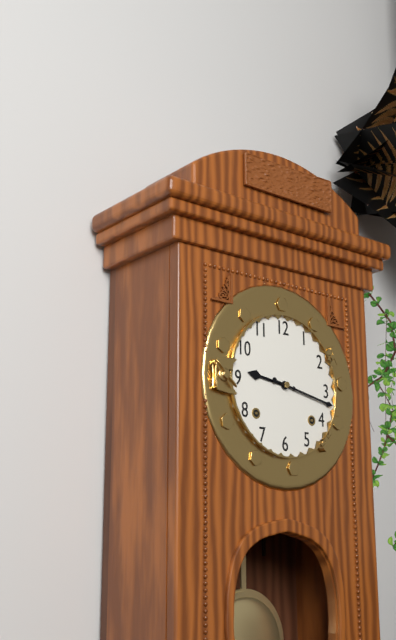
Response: 9:17
